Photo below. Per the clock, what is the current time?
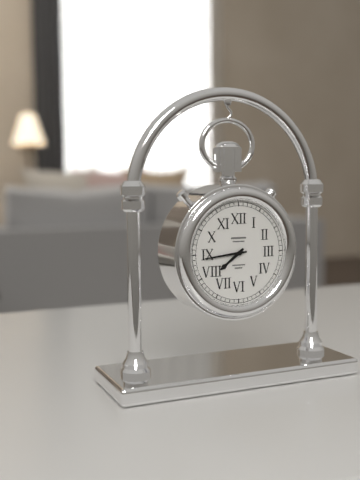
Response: 7:44
